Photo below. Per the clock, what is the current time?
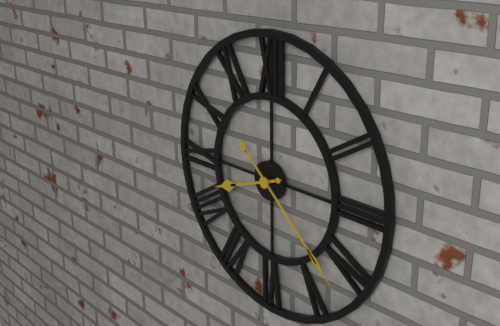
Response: 8:22
